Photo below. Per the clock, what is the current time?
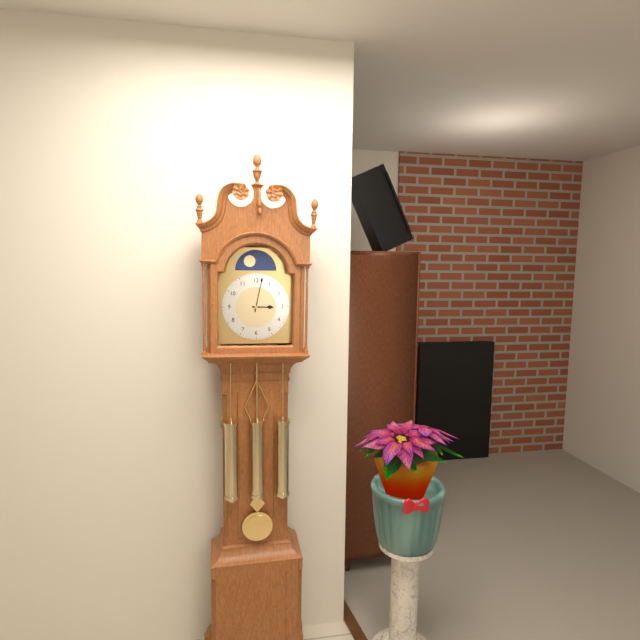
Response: 3:02
